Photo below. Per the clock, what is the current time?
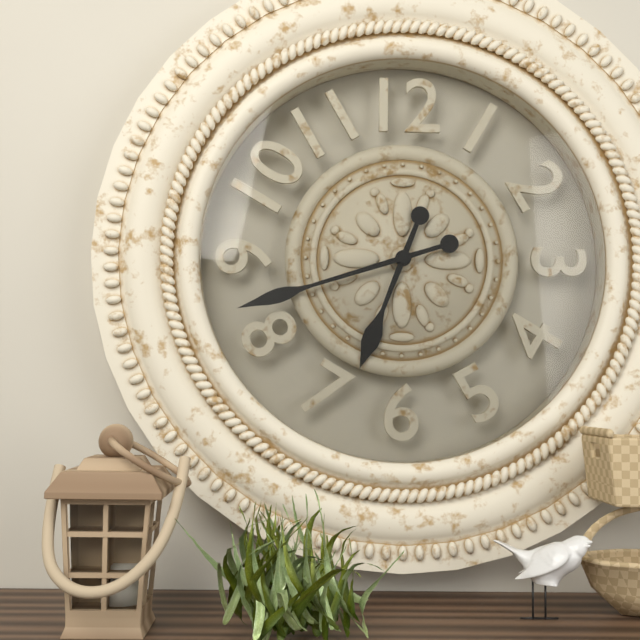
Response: 6:42
